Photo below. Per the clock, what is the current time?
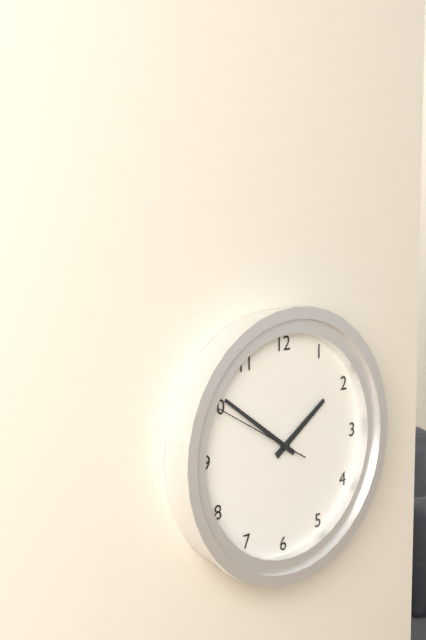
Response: 1:51:50
